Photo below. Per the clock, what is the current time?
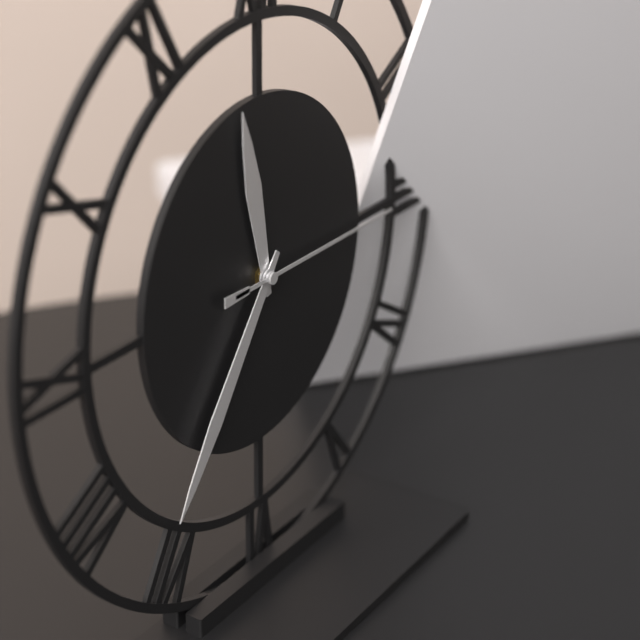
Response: 11:36:15
